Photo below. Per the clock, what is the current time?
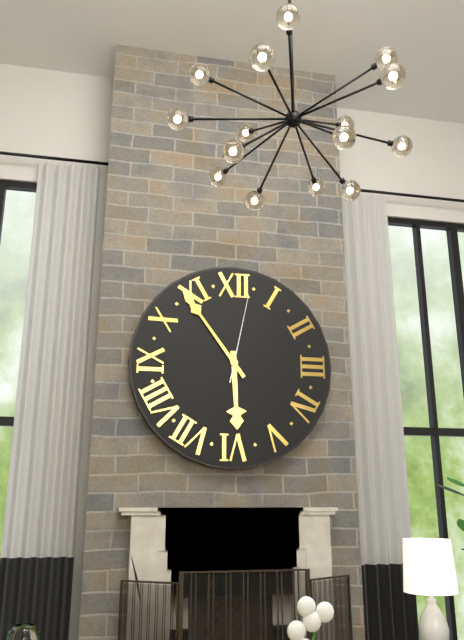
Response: 5:54:02
